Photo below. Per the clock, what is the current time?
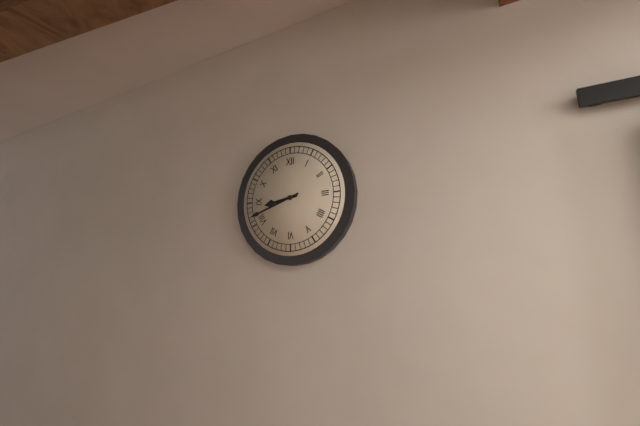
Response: 8:42
